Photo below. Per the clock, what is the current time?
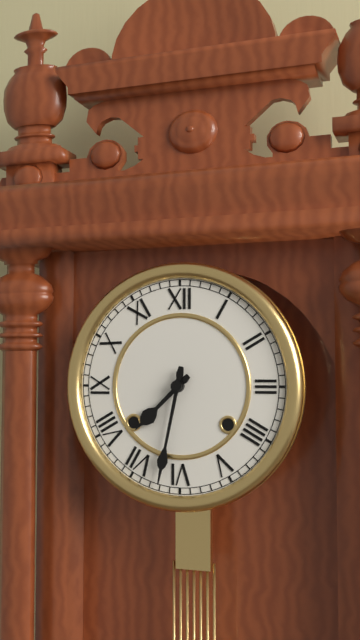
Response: 7:32
